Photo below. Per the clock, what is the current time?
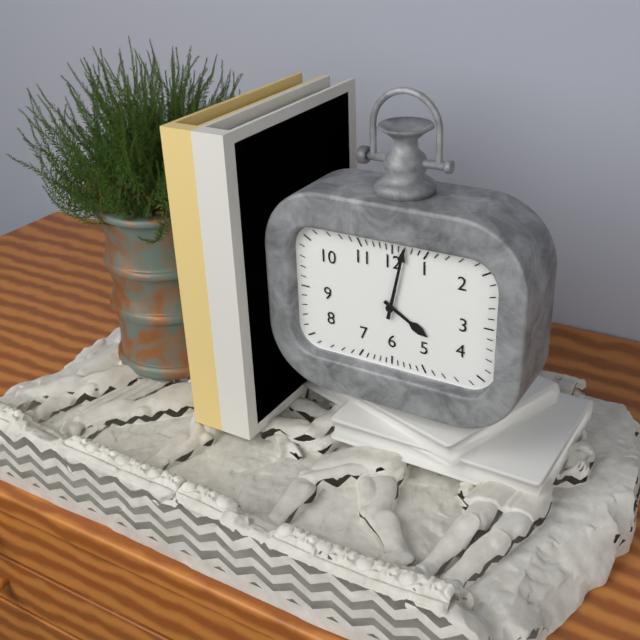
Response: 4:02
